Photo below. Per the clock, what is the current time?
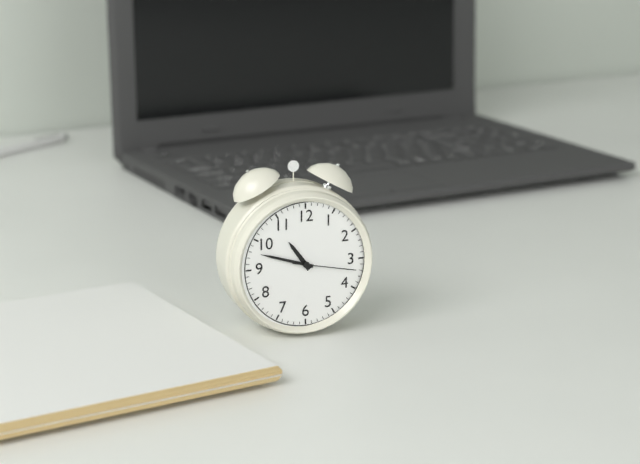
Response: 10:48:17
